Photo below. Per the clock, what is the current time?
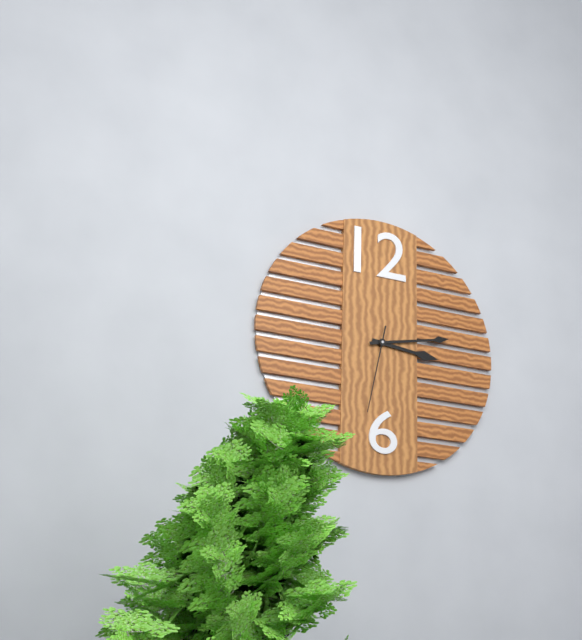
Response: 3:13:32
